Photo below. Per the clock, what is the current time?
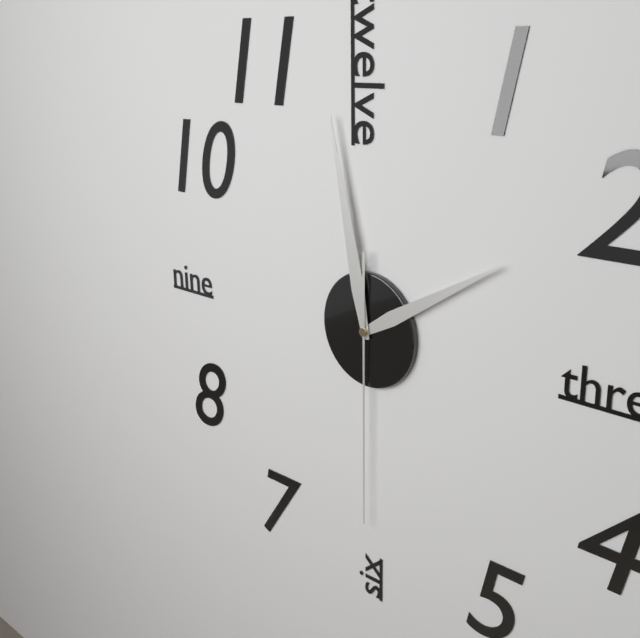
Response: 1:58:30
